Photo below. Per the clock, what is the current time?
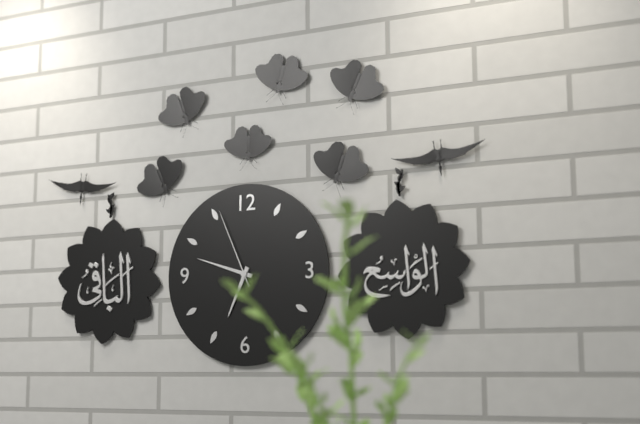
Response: 6:48:56
